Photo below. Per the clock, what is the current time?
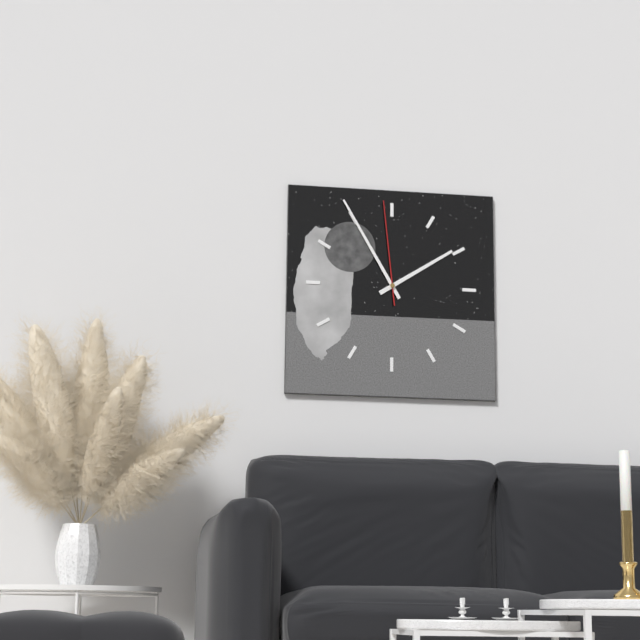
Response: 1:55:59
